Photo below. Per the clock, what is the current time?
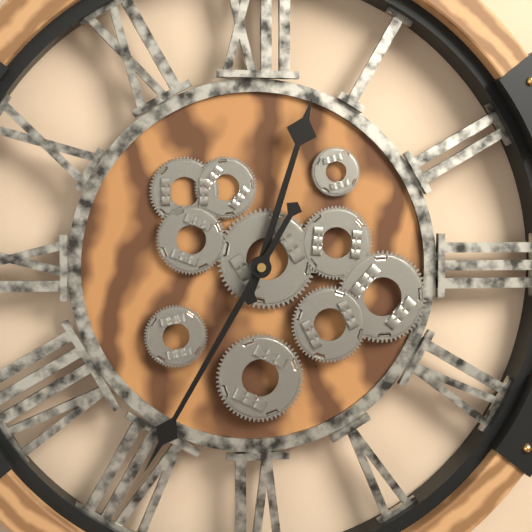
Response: 12:35
